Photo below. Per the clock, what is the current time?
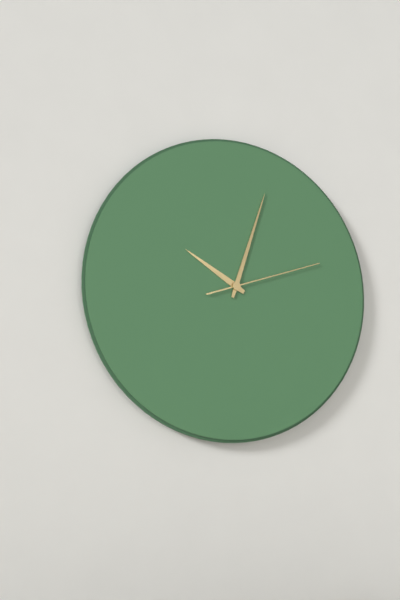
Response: 10:03:12
